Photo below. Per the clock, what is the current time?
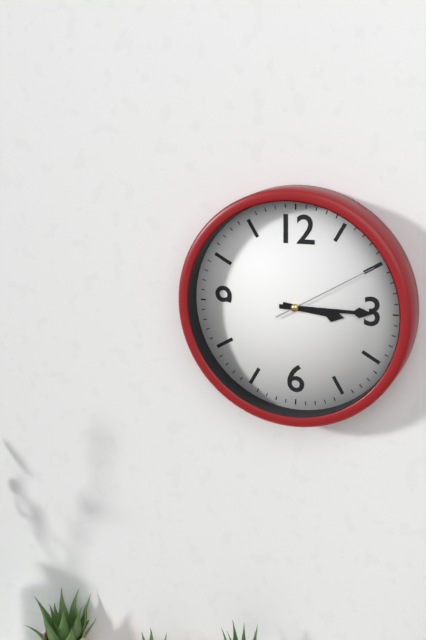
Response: 3:15:10
